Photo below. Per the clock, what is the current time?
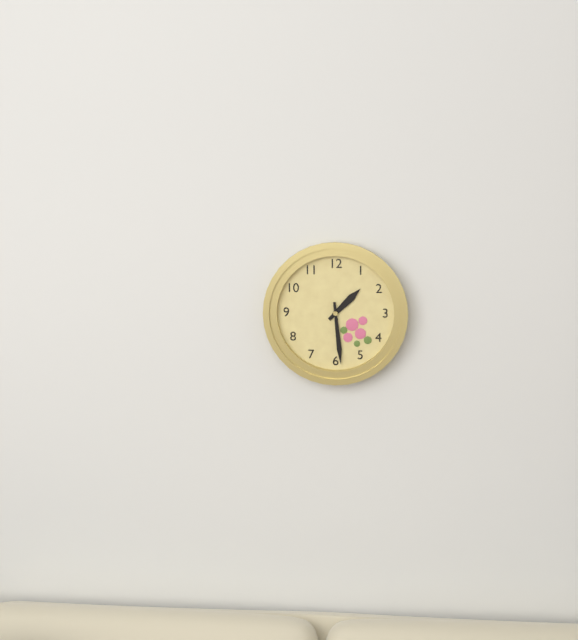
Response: 1:29
